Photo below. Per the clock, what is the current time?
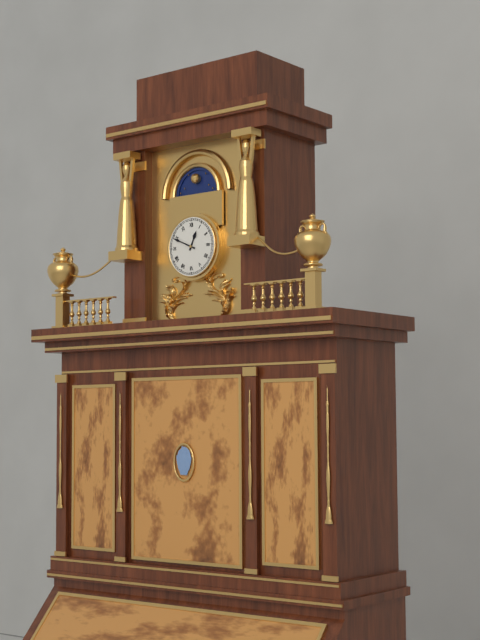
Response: 12:49
